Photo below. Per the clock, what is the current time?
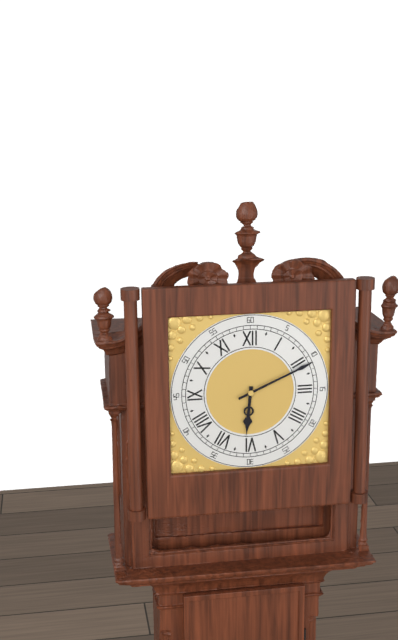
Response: 6:11
